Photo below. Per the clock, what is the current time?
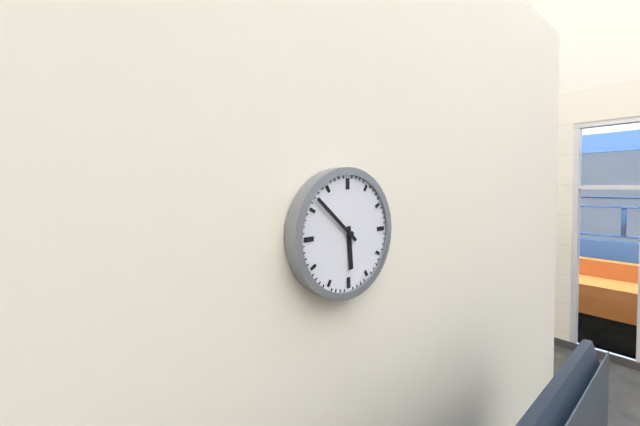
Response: 5:52
